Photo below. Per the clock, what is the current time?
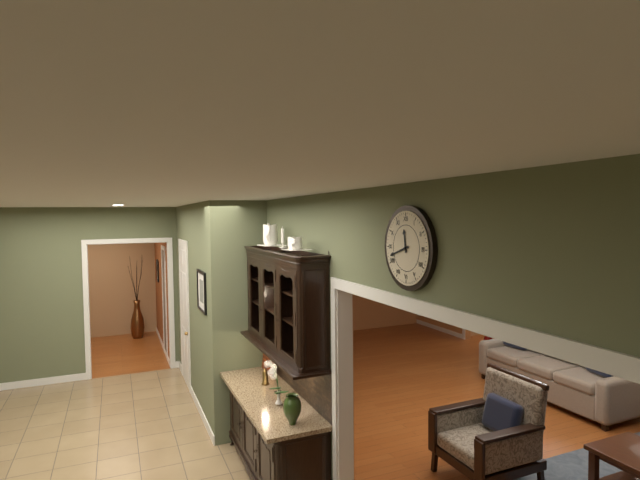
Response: 11:42
